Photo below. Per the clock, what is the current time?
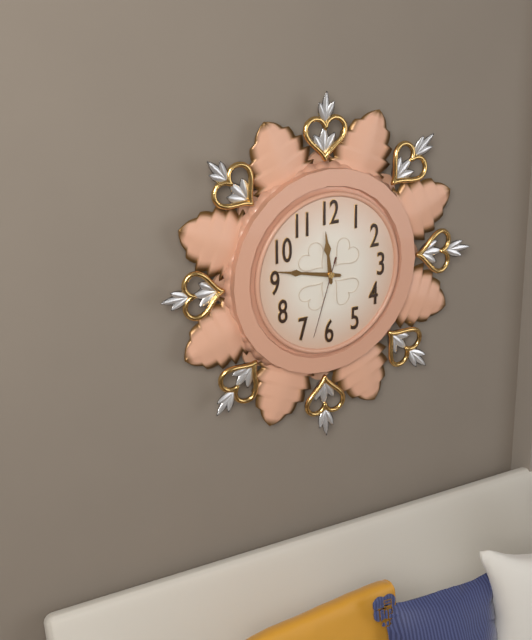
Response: 11:47:33
